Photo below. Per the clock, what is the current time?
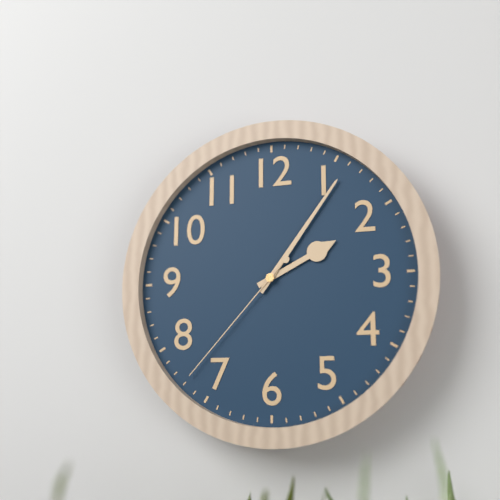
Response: 2:06:37
